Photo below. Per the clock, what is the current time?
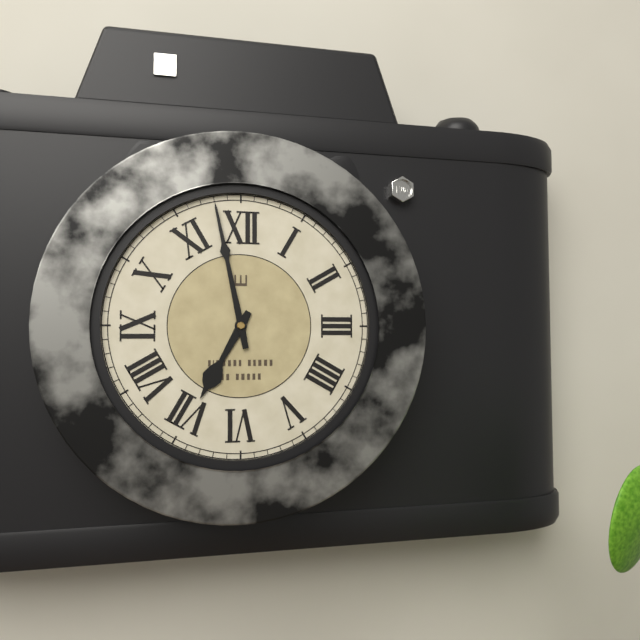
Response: 6:58
